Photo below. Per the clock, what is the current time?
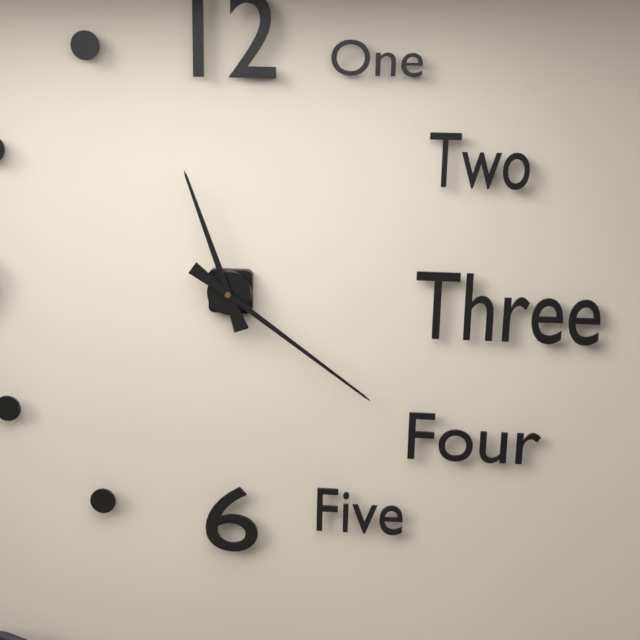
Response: 11:21
